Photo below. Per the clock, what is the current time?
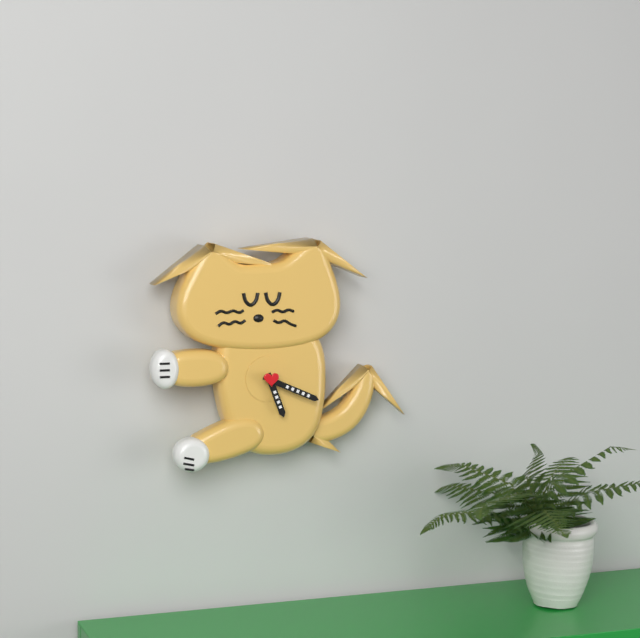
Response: 5:19
